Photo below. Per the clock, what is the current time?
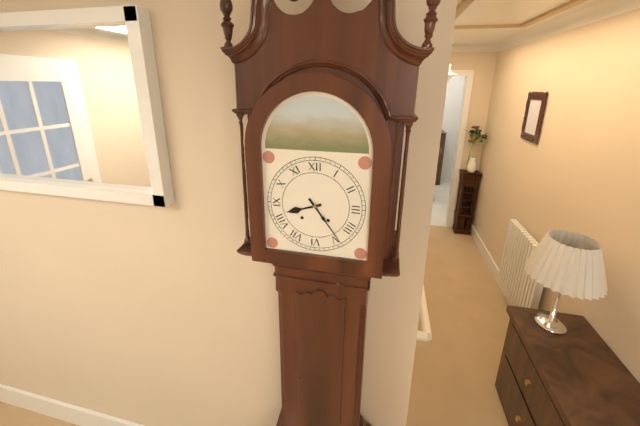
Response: 8:24
